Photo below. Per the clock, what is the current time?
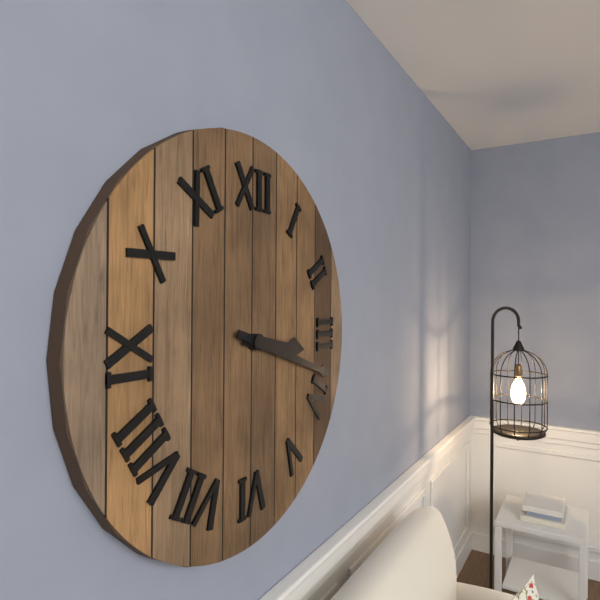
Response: 3:18
